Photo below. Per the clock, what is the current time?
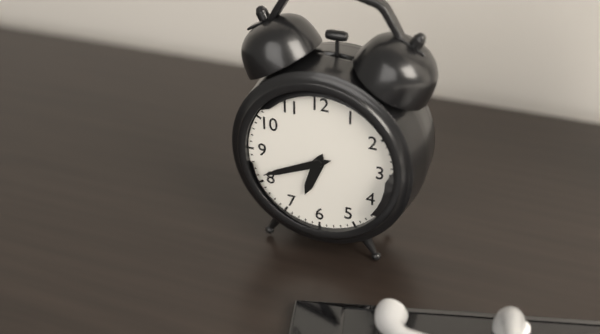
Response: 6:41
